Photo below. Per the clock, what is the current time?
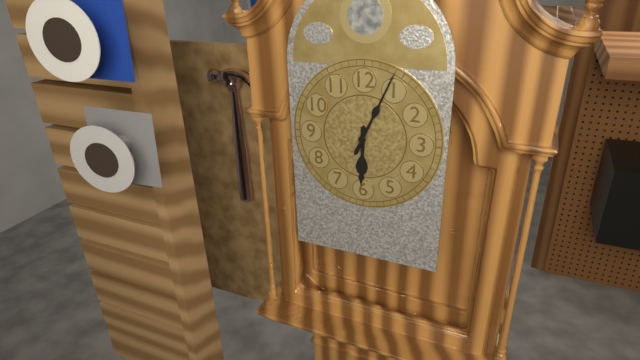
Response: 6:04
